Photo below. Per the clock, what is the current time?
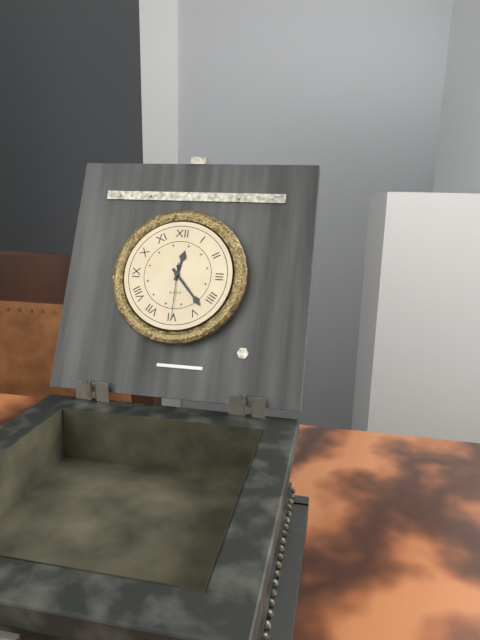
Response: 12:23:30
